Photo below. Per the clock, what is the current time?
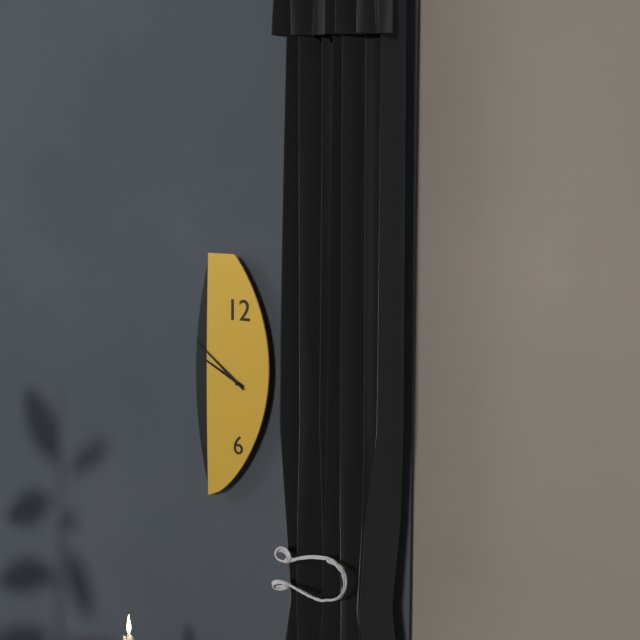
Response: 9:51
